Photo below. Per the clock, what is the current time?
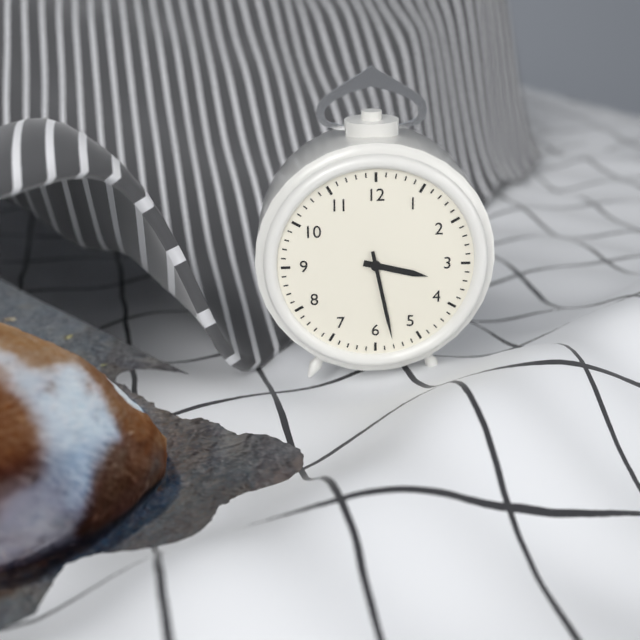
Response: 3:28
